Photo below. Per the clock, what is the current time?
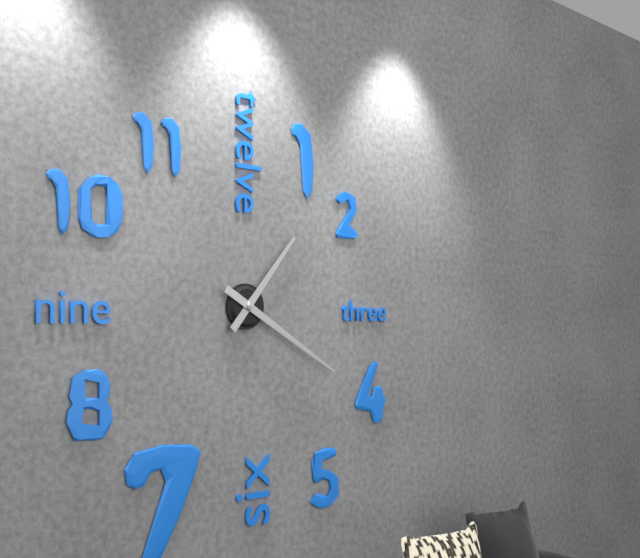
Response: 1:20
